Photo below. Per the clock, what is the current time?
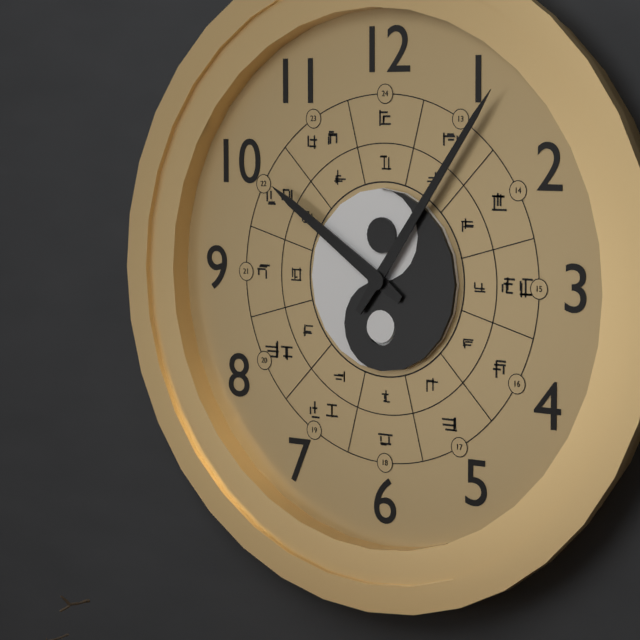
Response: 10:06
